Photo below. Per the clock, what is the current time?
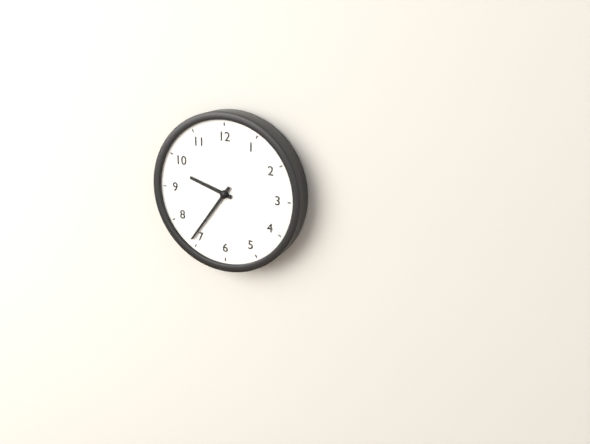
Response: 9:36
